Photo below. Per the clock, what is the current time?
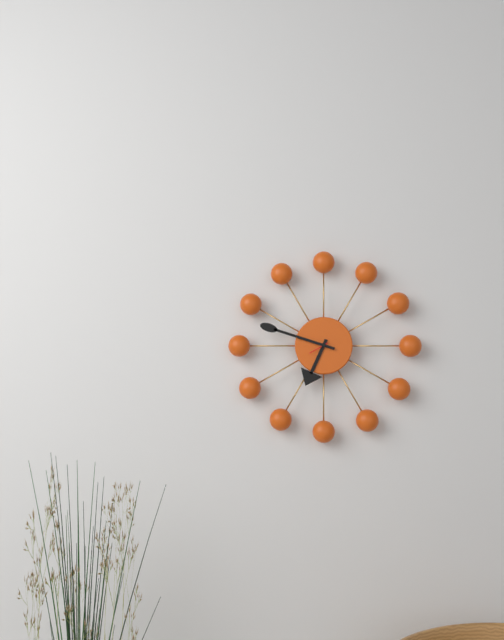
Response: 6:48
